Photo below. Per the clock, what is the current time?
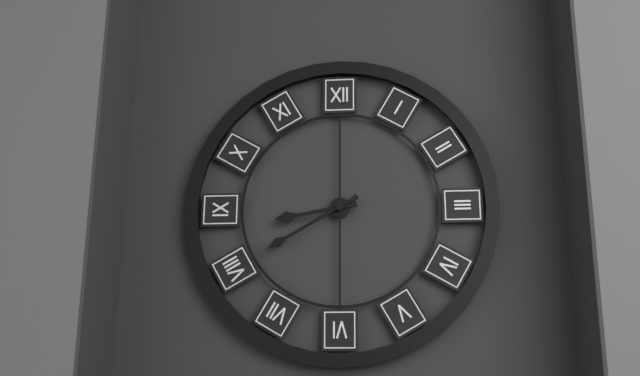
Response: 8:40
